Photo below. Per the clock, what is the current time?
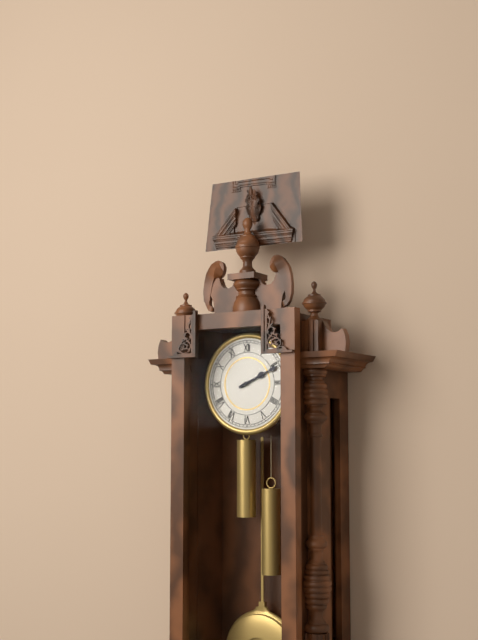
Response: 2:11
